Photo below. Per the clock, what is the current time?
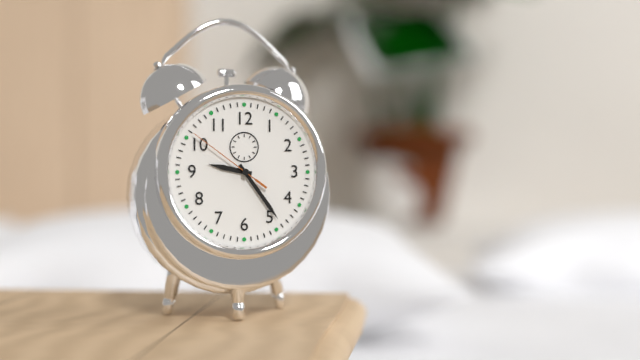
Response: 9:24:51
